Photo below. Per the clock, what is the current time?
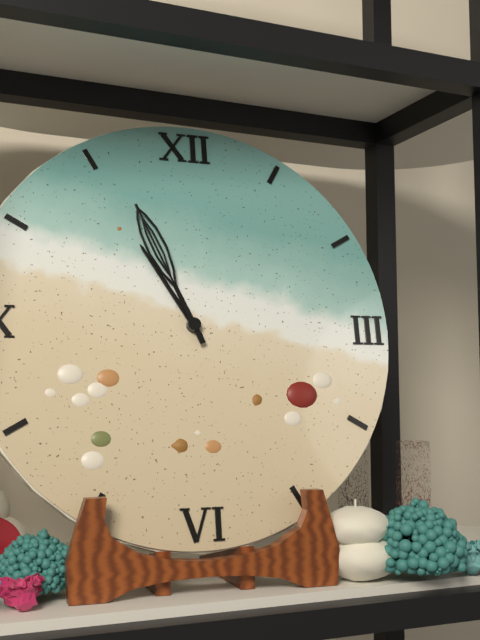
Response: 10:56
